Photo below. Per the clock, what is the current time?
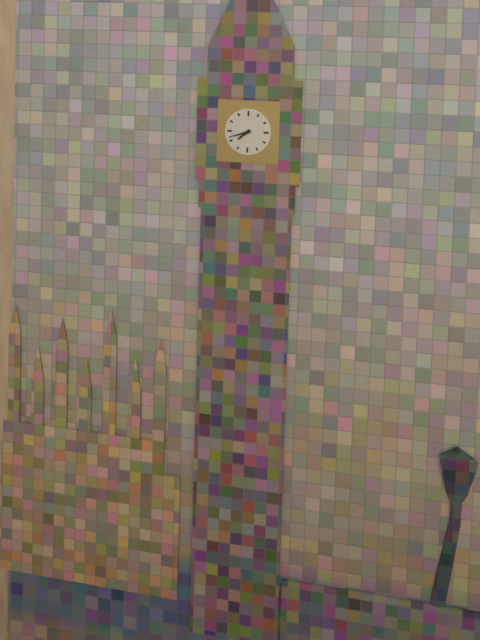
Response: 7:42
